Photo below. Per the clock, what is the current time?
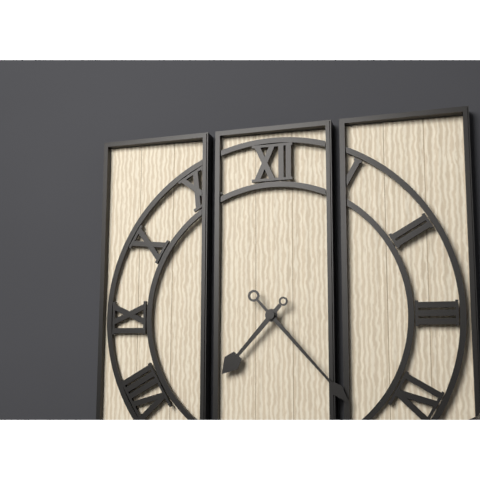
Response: 7:23
